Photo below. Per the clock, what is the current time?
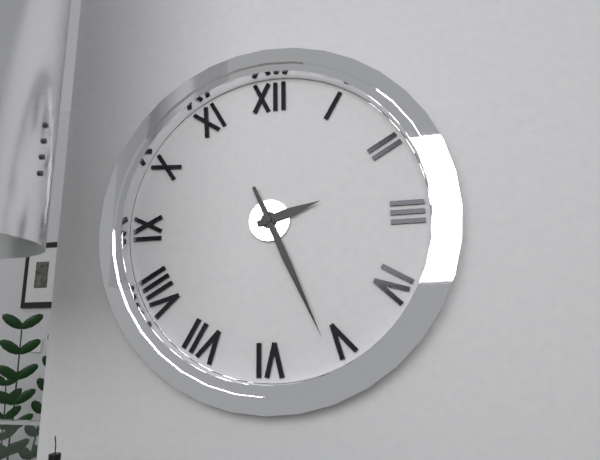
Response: 2:26
